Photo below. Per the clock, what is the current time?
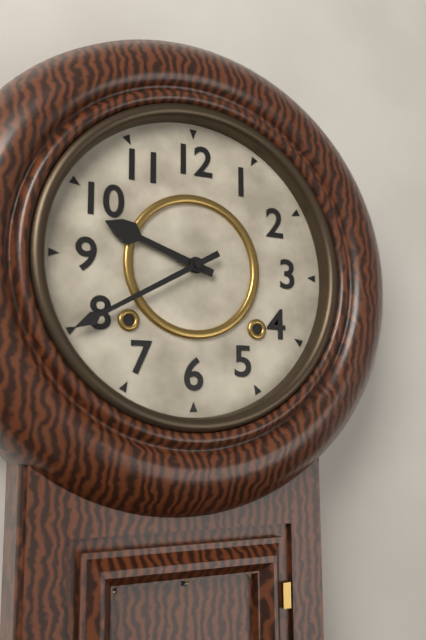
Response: 9:40
